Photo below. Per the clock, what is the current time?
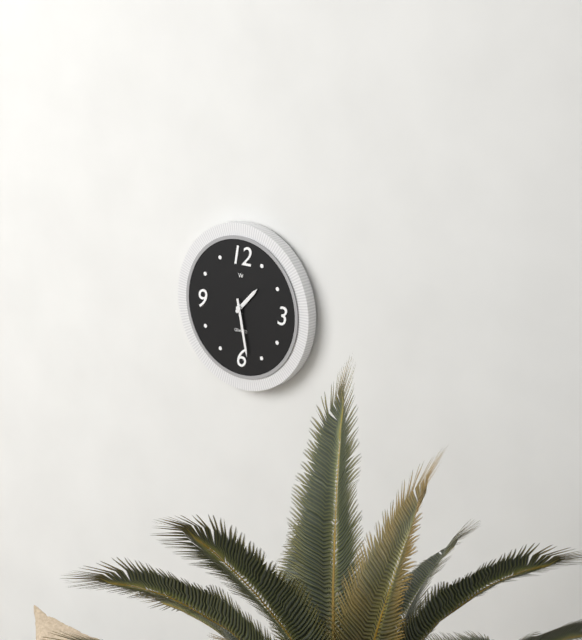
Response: 1:28
